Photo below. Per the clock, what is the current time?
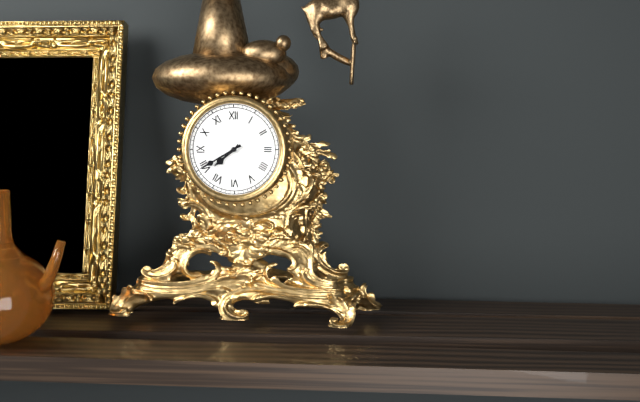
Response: 7:40
